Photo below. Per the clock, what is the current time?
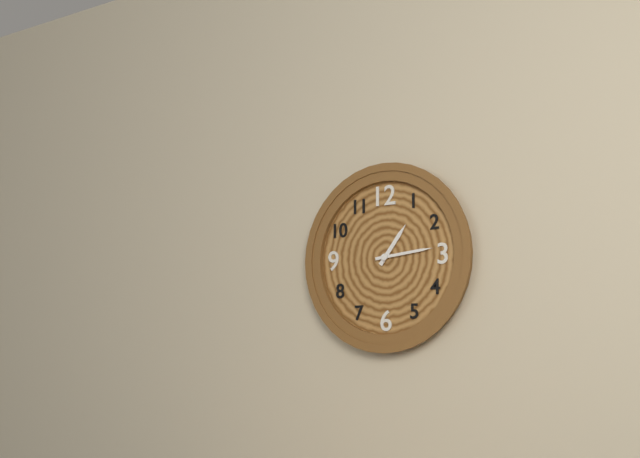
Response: 1:14
